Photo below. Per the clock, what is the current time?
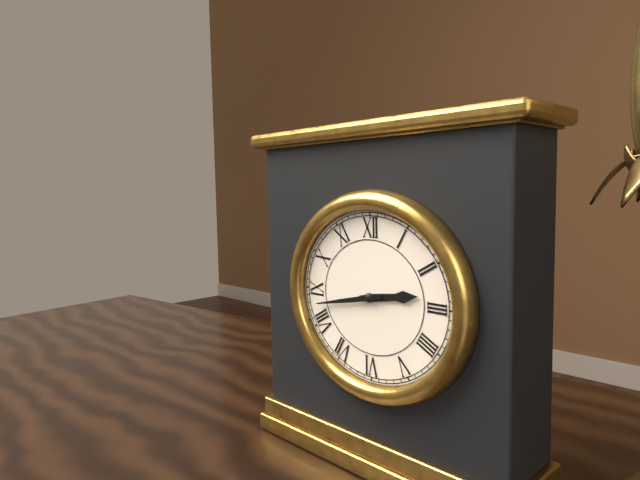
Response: 2:43
